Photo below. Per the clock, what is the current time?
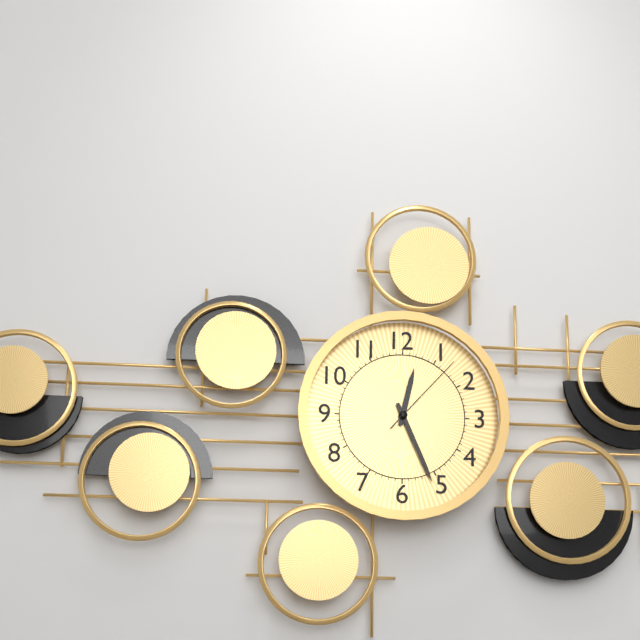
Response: 12:26:07
